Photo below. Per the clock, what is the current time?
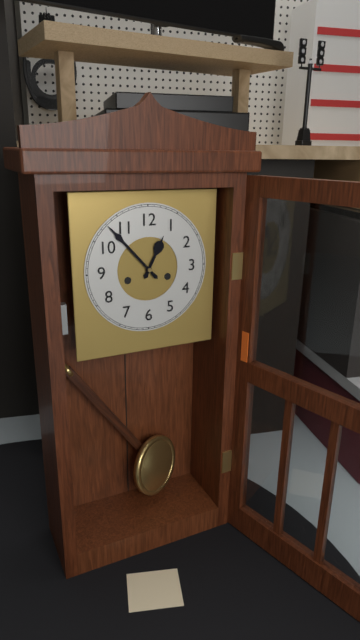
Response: 12:53
